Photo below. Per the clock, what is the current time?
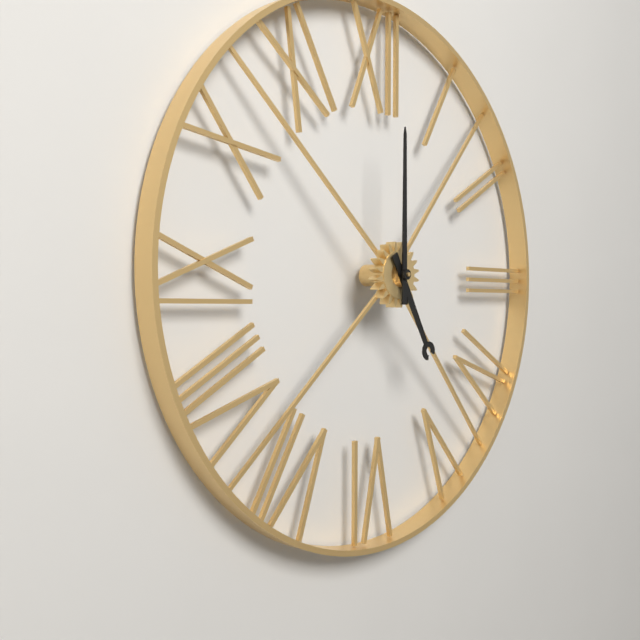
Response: 5:00
